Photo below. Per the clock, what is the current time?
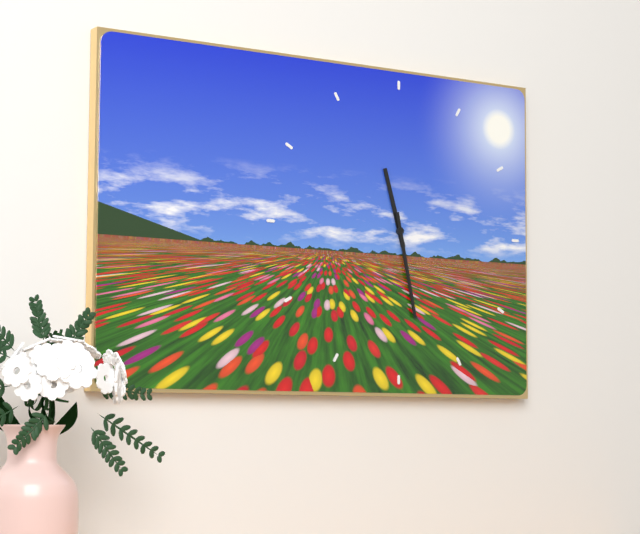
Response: 11:28
